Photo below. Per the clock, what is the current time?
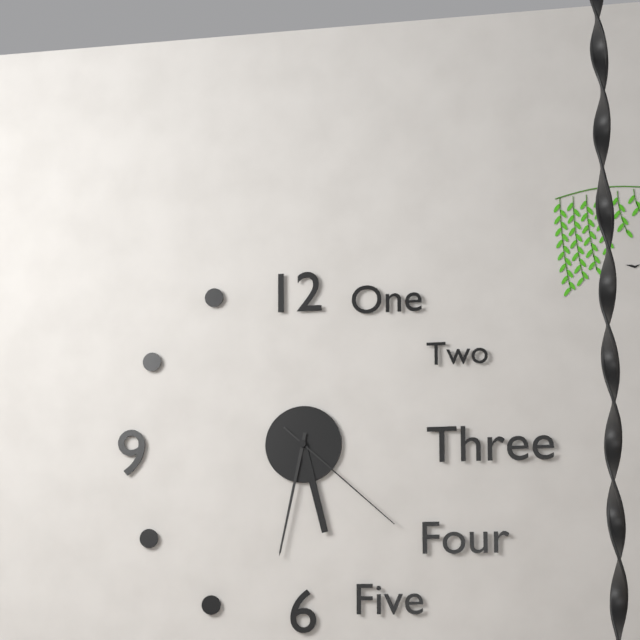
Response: 5:32:22
